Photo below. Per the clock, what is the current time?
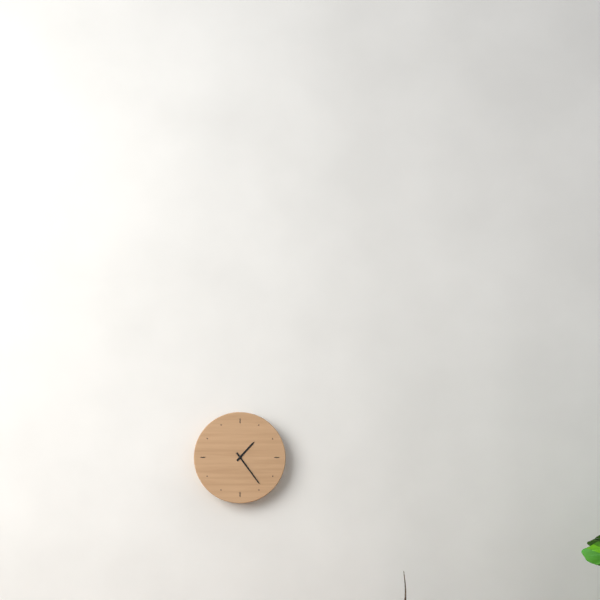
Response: 1:24
